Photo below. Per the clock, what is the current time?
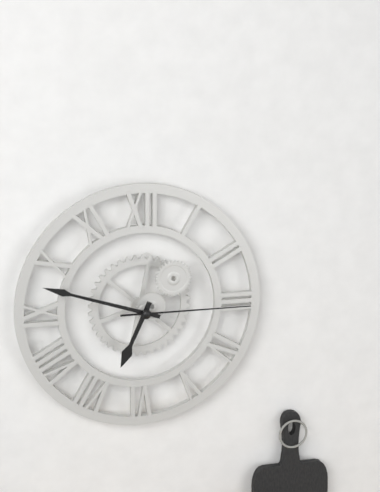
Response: 6:48:15
